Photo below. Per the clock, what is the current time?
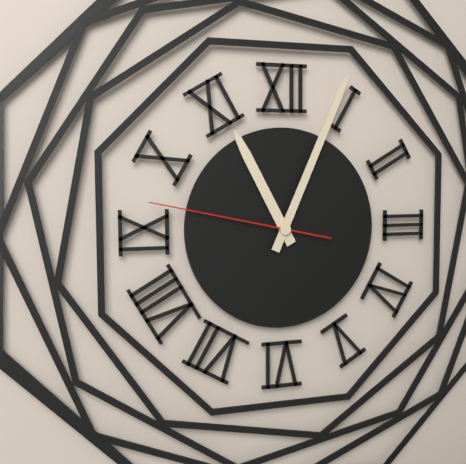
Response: 11:04:47
